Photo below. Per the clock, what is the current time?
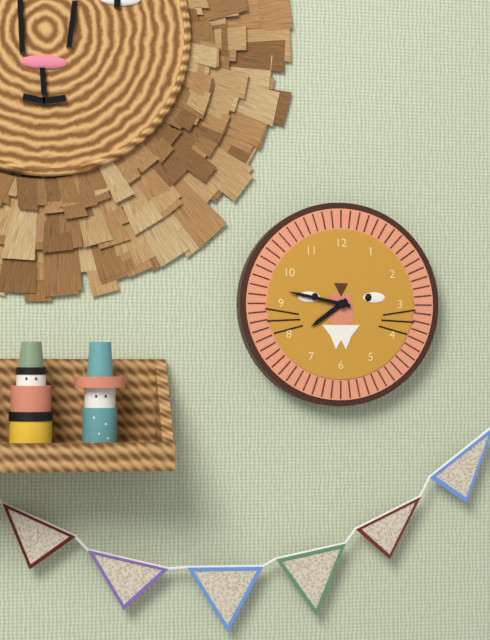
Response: 7:47
